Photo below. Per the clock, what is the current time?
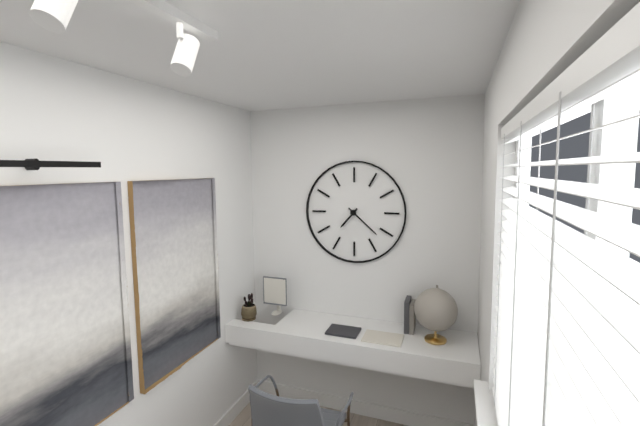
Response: 7:22
